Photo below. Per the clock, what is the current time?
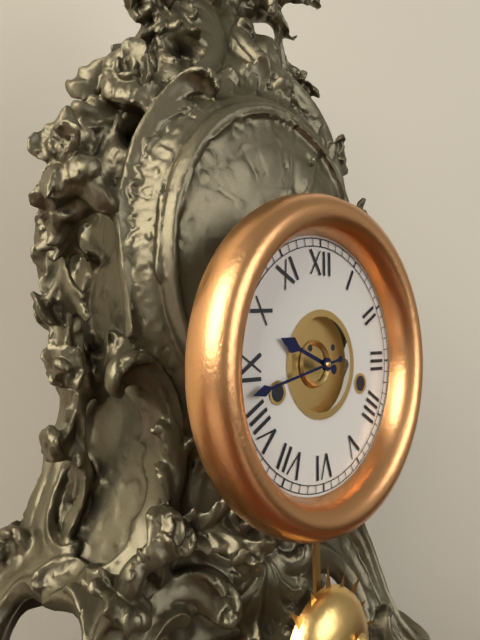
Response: 9:43
